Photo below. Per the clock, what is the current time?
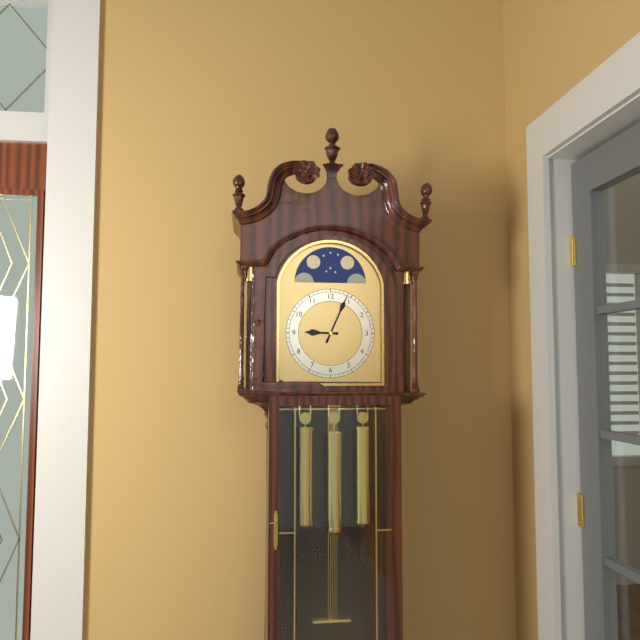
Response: 9:04
